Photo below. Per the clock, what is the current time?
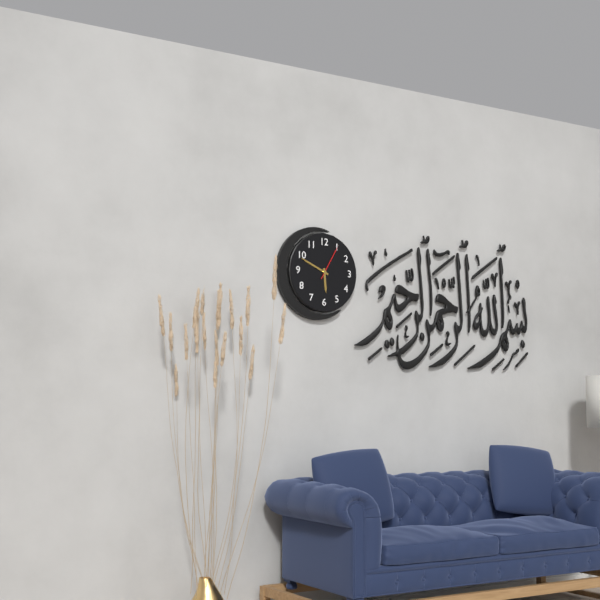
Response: 5:49
